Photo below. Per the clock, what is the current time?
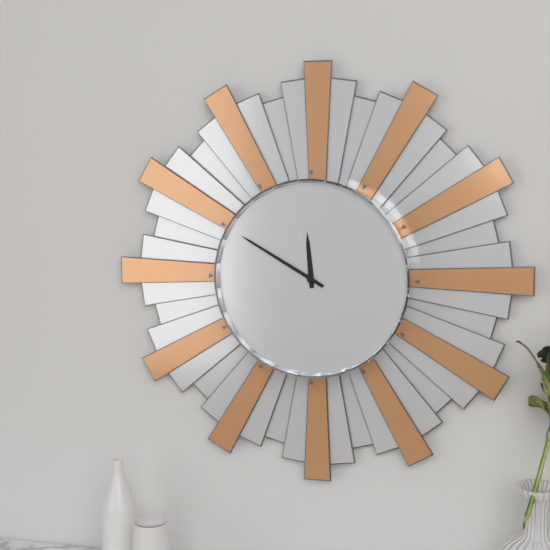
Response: 11:50
